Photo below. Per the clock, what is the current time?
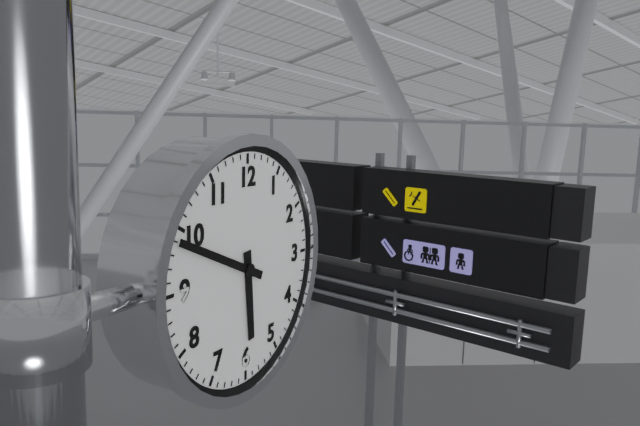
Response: 5:49
